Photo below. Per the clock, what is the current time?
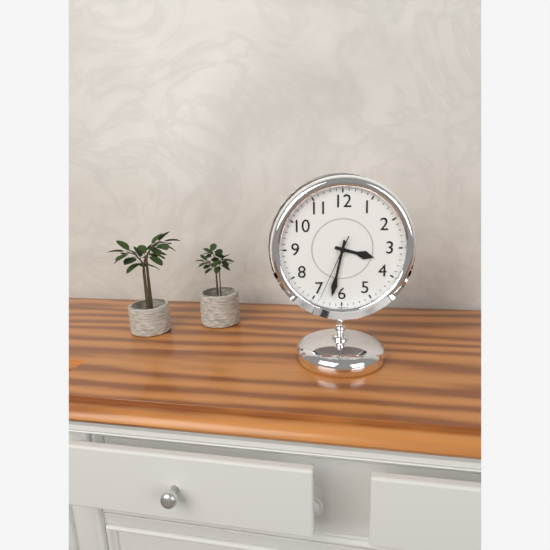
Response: 3:32:34
